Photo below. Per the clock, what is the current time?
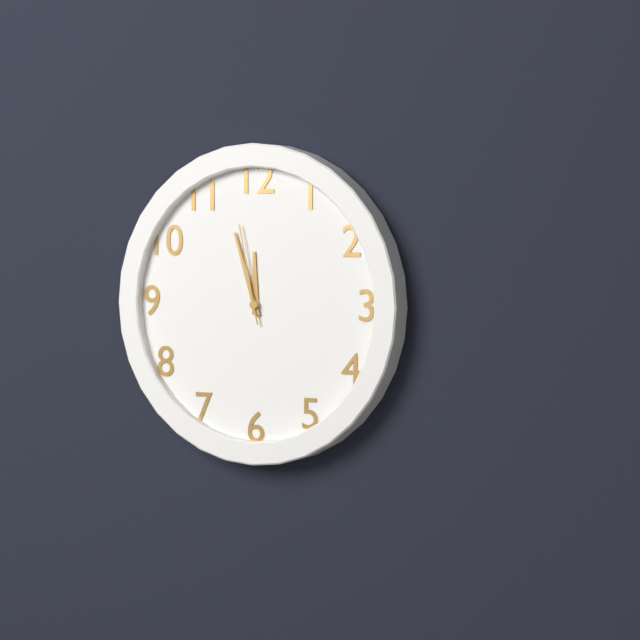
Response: 11:57:58
